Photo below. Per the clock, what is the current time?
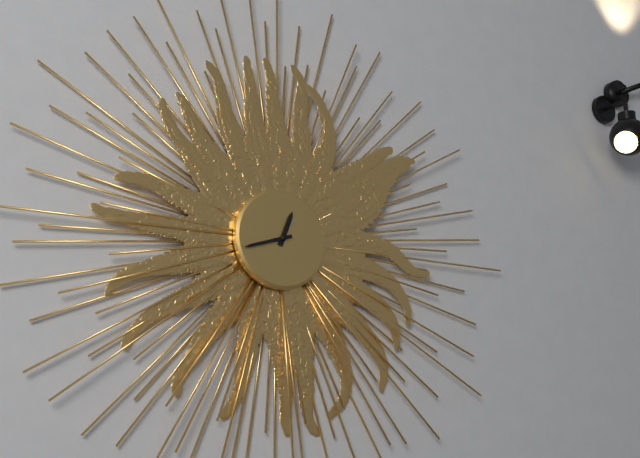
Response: 12:42
